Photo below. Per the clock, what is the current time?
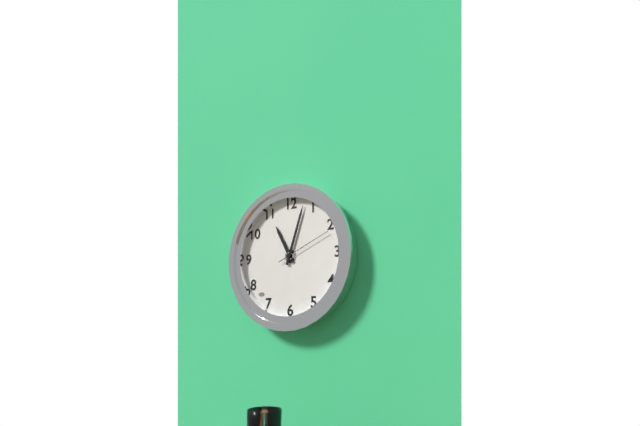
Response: 11:03:11
